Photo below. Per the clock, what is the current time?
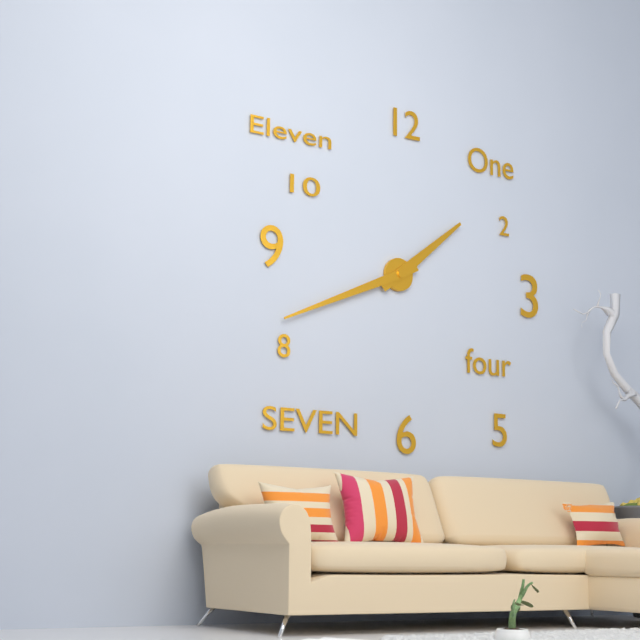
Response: 1:41
